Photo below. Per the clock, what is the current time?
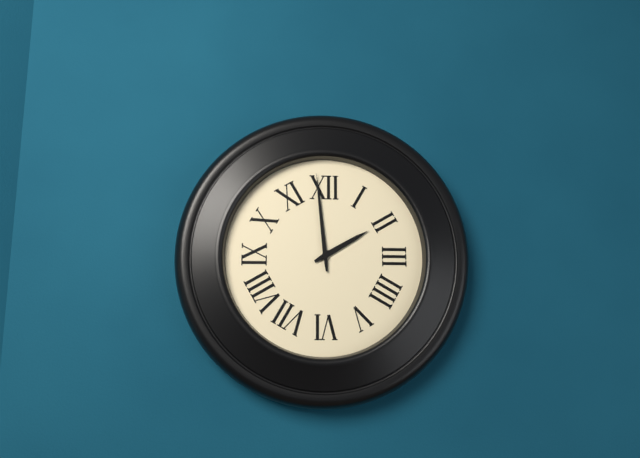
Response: 1:59
